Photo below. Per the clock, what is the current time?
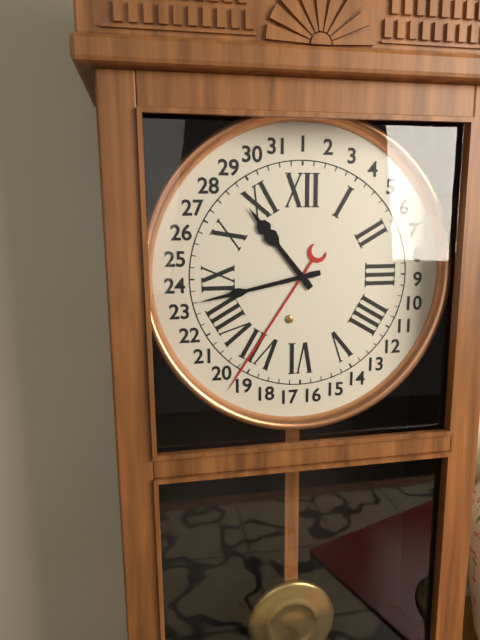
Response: 10:43
